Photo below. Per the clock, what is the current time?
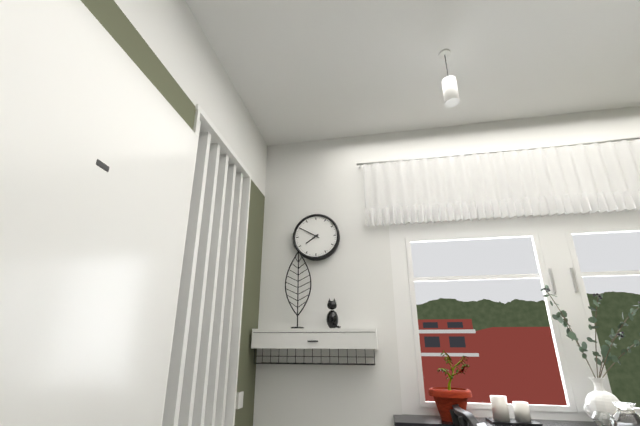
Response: 7:50
